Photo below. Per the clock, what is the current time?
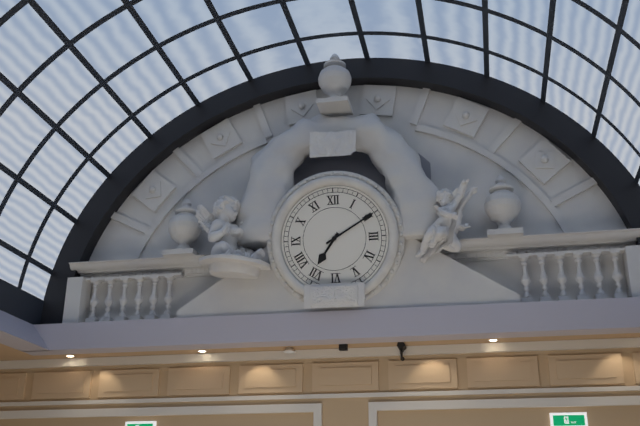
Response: 7:10
